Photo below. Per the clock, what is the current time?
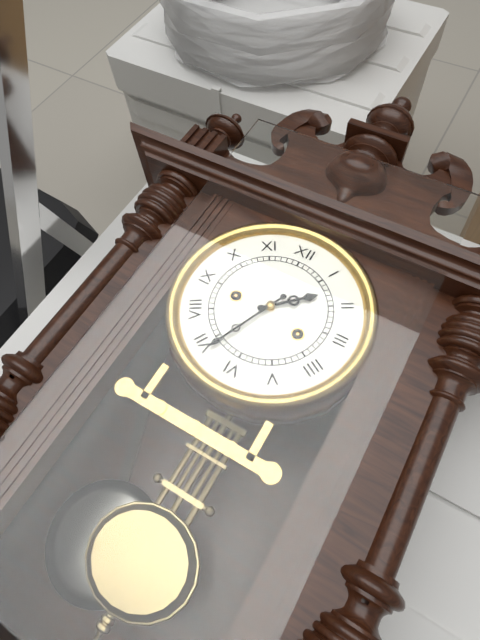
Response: 1:34
